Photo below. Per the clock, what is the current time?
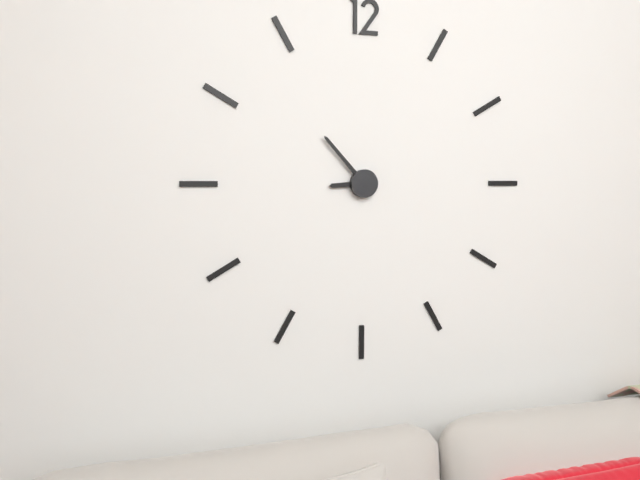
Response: 8:53
